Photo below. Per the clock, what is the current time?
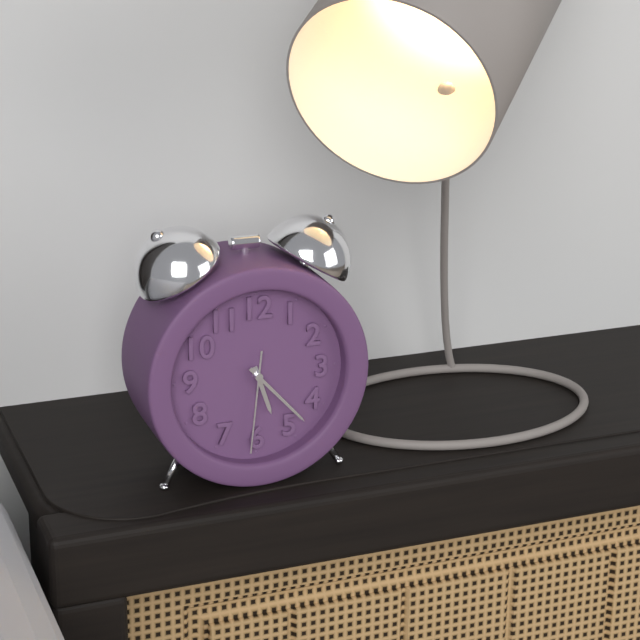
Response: 5:23:31
